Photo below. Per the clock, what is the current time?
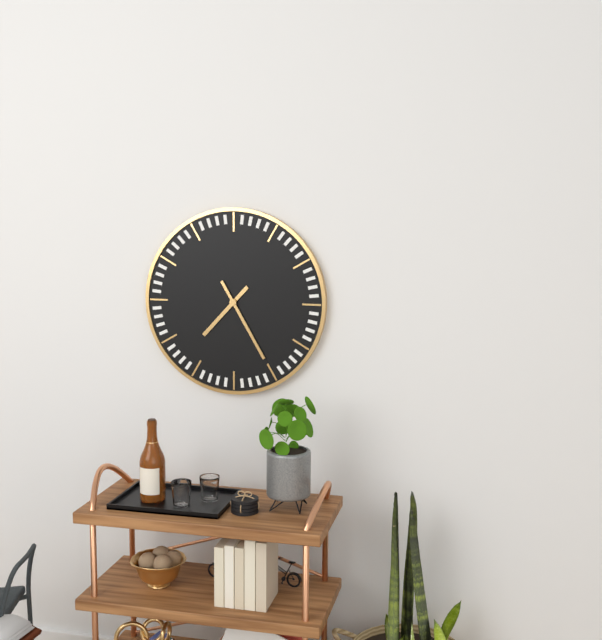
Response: 7:25
